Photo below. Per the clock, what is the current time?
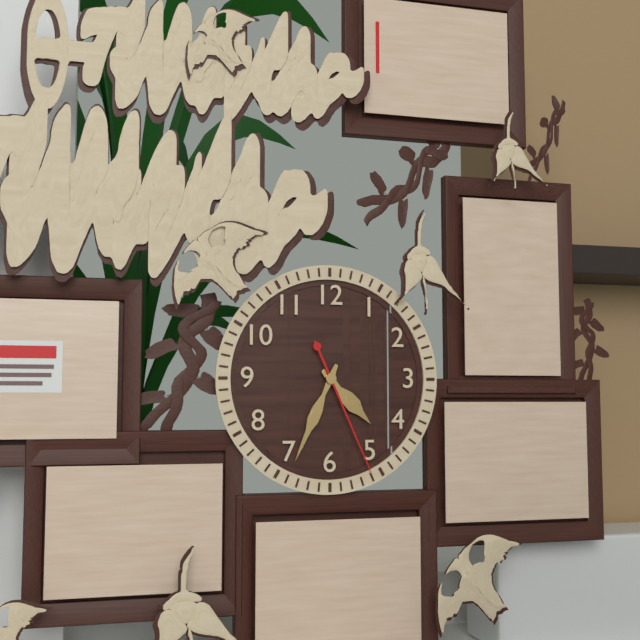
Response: 4:34:26
